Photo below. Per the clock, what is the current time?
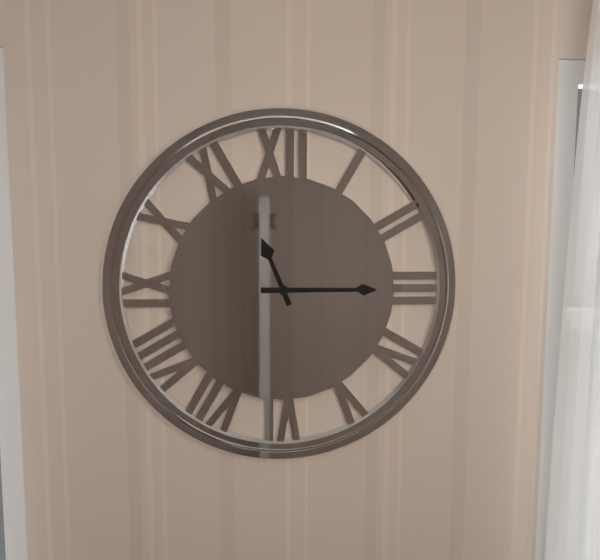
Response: 11:15
